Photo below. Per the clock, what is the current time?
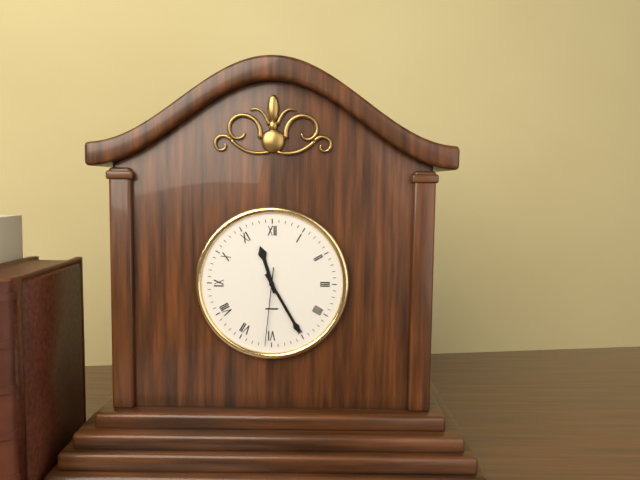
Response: 11:25:31
